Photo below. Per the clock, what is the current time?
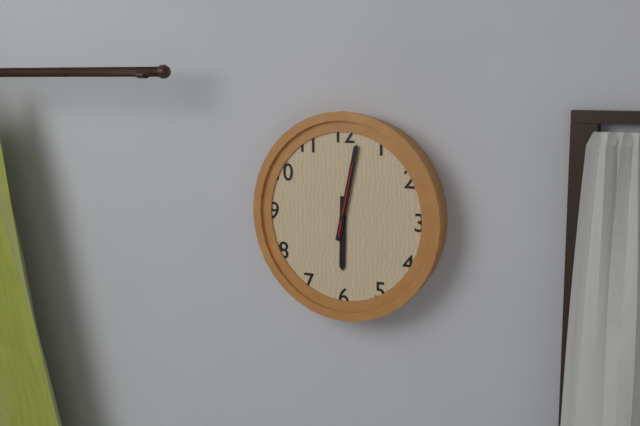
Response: 6:02:02
